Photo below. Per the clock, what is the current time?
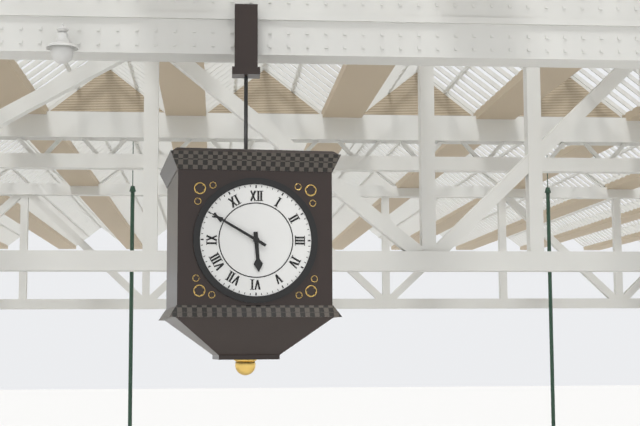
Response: 5:50
